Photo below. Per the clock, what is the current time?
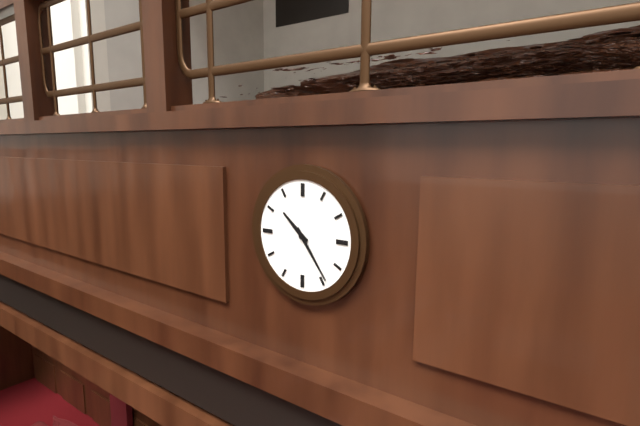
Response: 10:24
